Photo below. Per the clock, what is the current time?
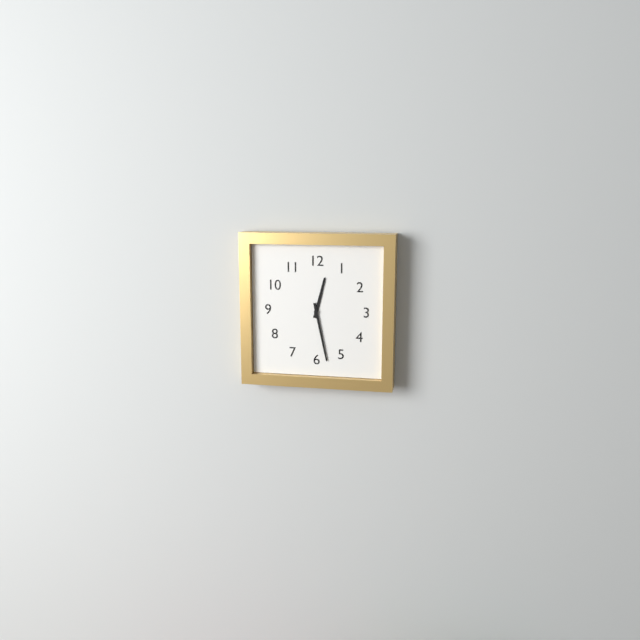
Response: 12:28
